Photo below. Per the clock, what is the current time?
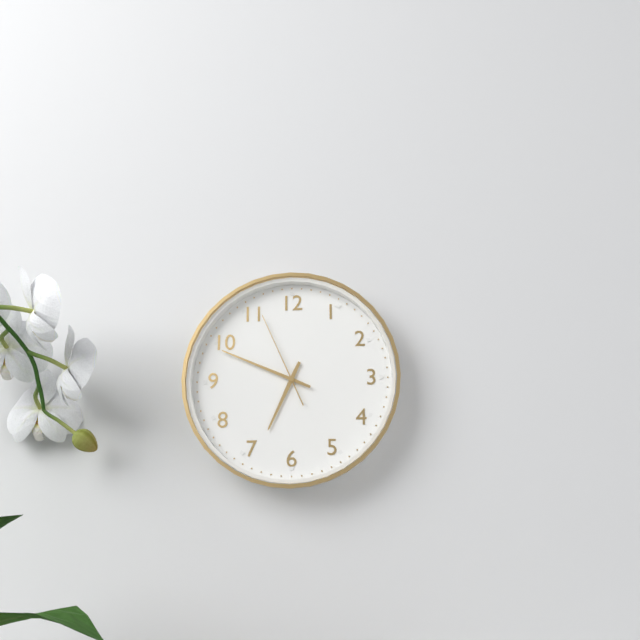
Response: 6:49:56
